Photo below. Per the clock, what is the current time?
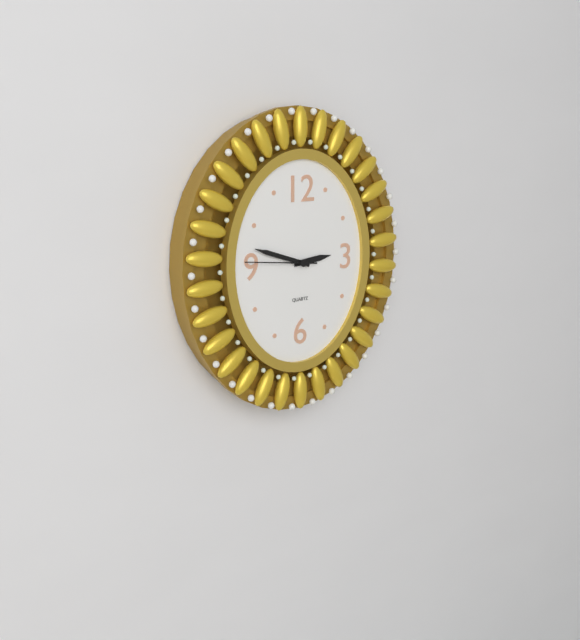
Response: 2:48:46
